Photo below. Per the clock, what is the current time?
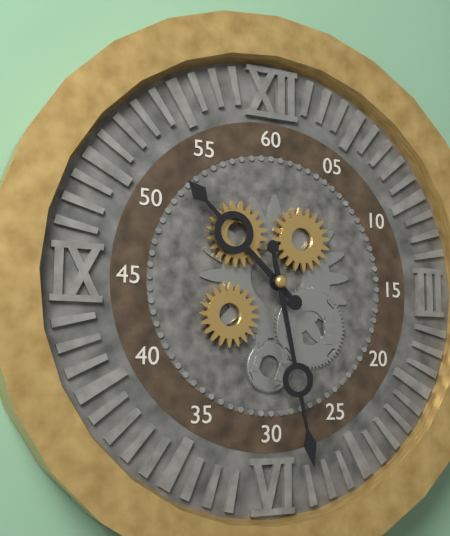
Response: 10:28
